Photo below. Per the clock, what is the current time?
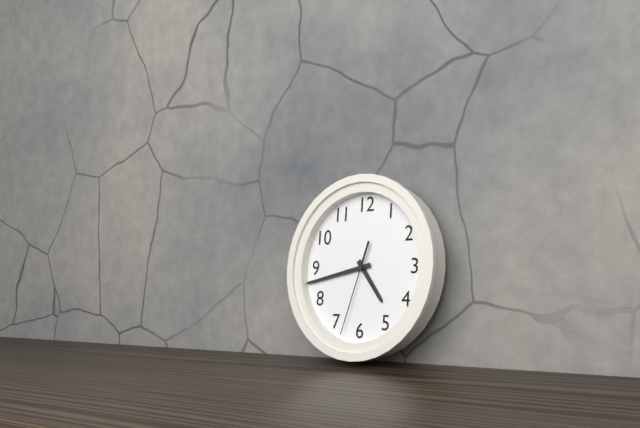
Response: 4:43:33
